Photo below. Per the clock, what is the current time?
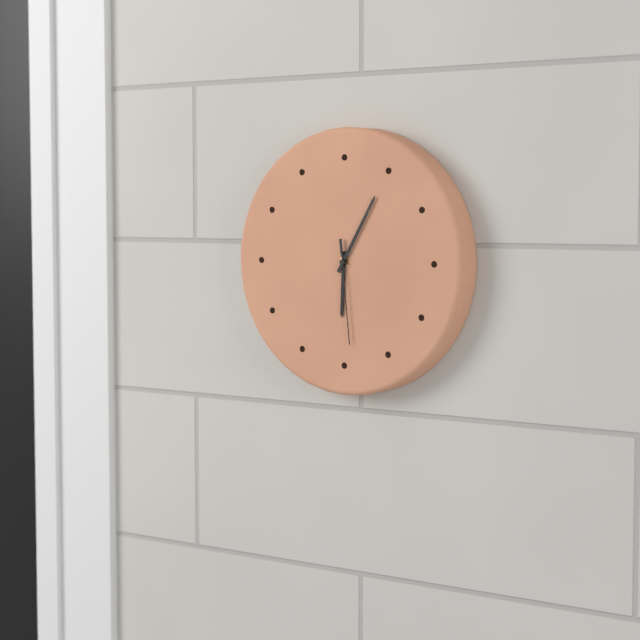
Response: 6:05:29
